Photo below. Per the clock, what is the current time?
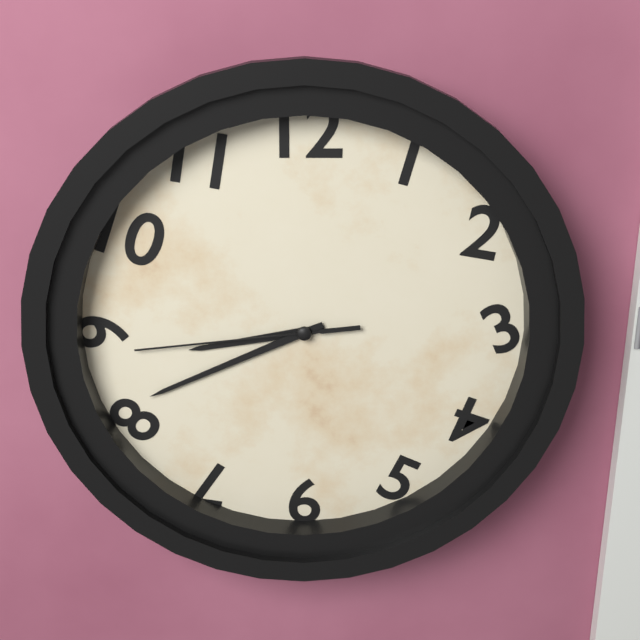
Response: 8:41:44
